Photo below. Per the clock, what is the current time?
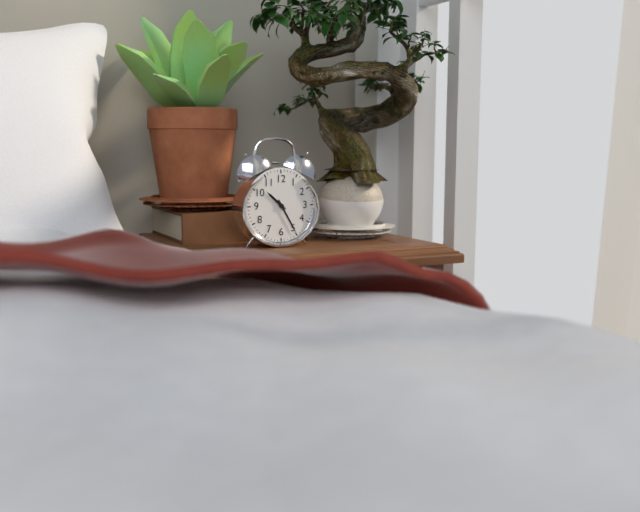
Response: 10:25
